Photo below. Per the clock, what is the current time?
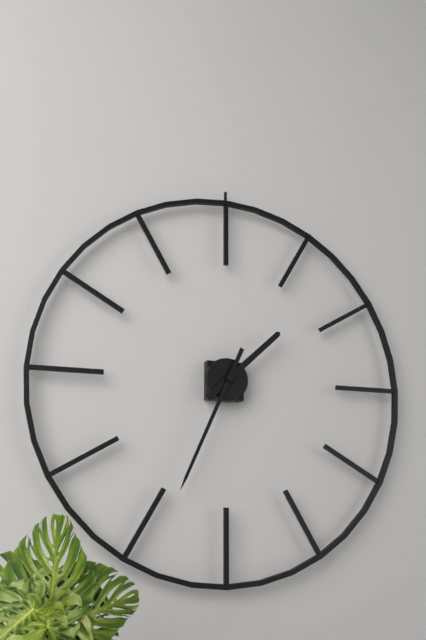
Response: 1:34
